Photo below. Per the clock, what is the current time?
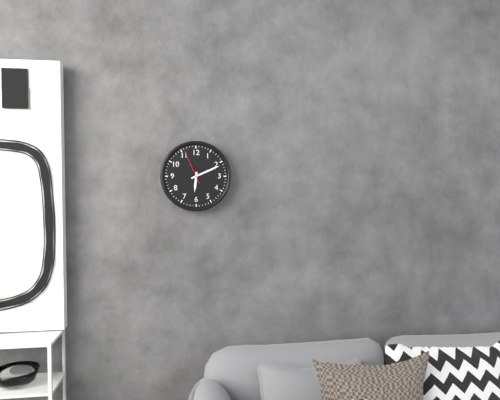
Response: 6:11
